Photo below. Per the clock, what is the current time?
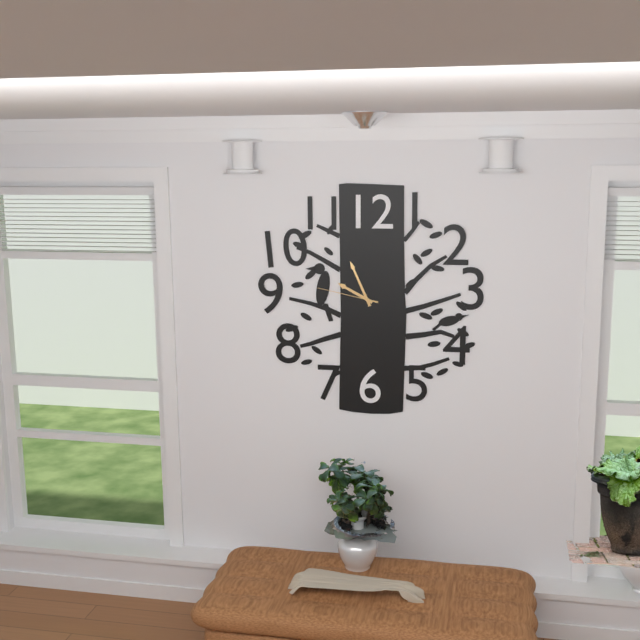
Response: 9:56:47
